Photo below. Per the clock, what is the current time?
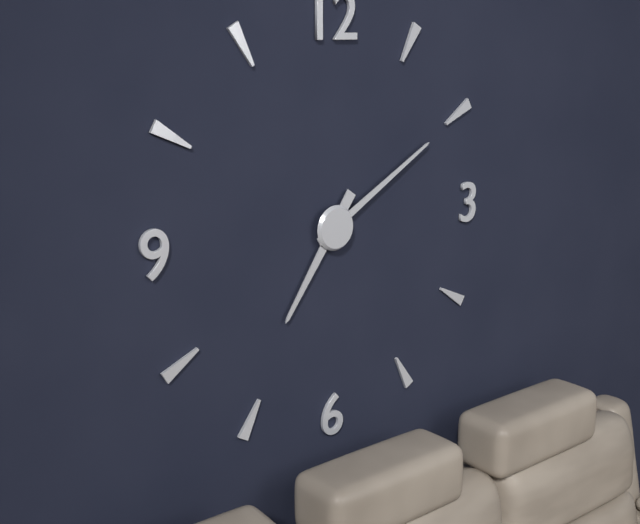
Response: 7:10
